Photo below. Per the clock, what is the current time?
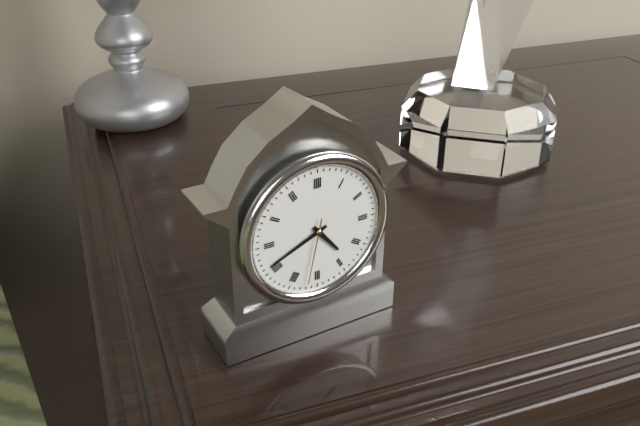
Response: 4:41:32
